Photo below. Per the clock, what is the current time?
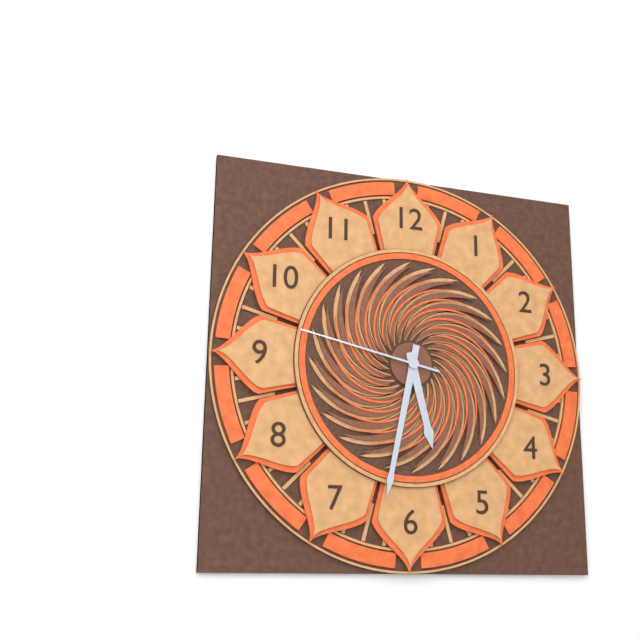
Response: 5:32:47
